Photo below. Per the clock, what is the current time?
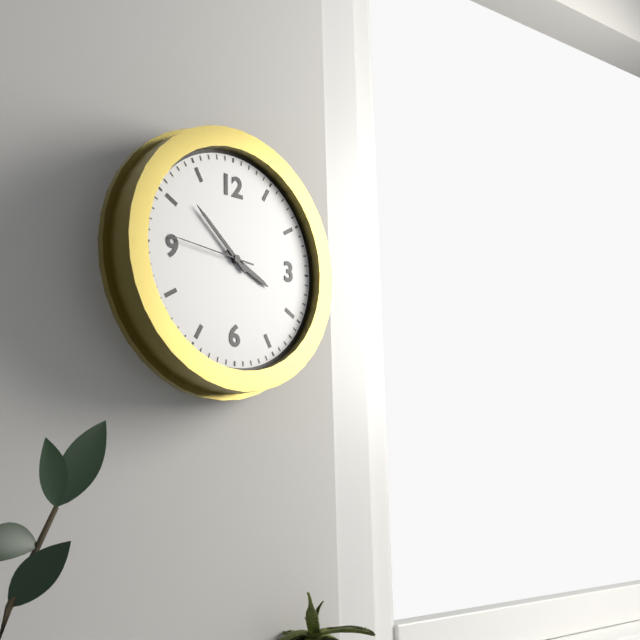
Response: 3:52:46
